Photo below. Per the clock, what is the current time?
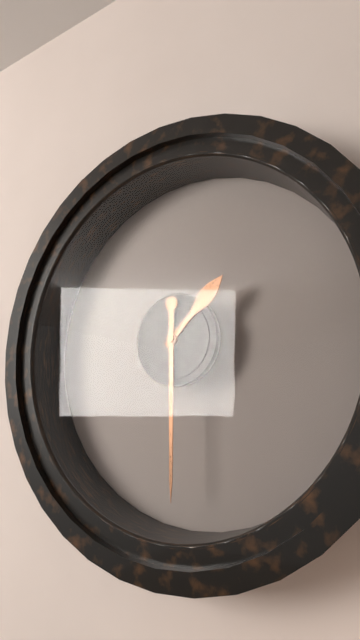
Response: 1:30
